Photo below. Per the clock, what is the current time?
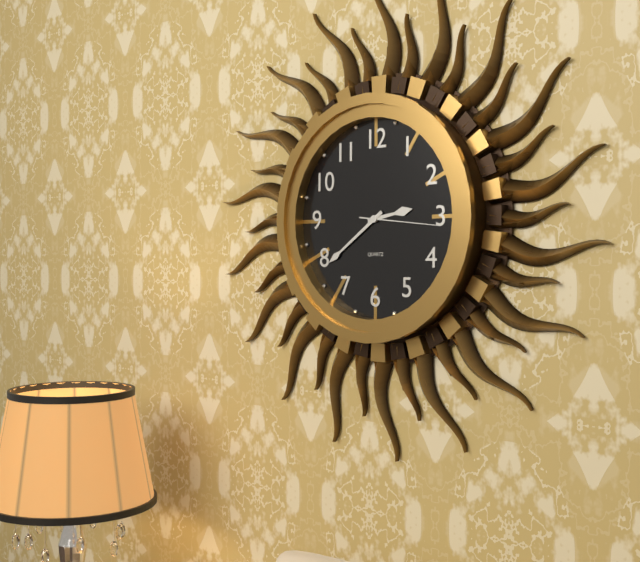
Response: 2:39:16
